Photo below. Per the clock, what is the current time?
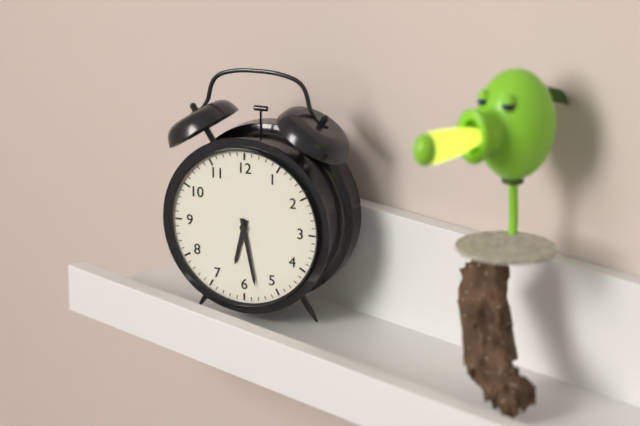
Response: 6:28
